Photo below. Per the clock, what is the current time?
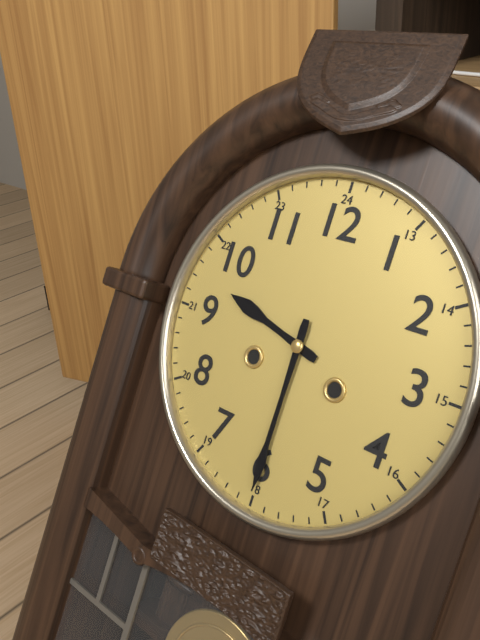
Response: 9:30
